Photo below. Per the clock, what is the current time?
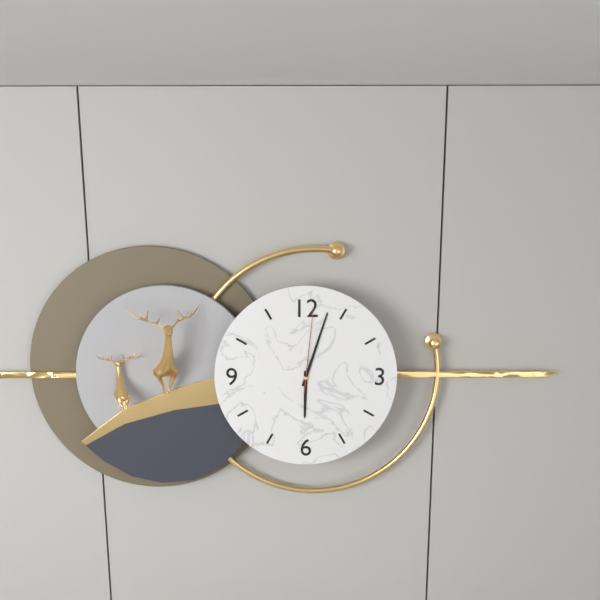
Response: 6:03:01
